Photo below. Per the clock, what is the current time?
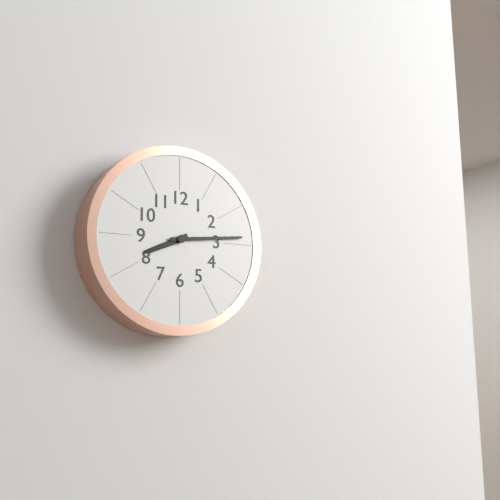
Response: 8:14
